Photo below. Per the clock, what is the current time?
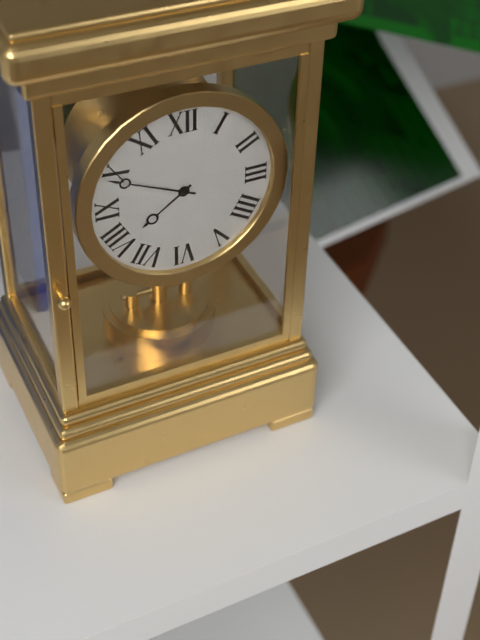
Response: 7:49
